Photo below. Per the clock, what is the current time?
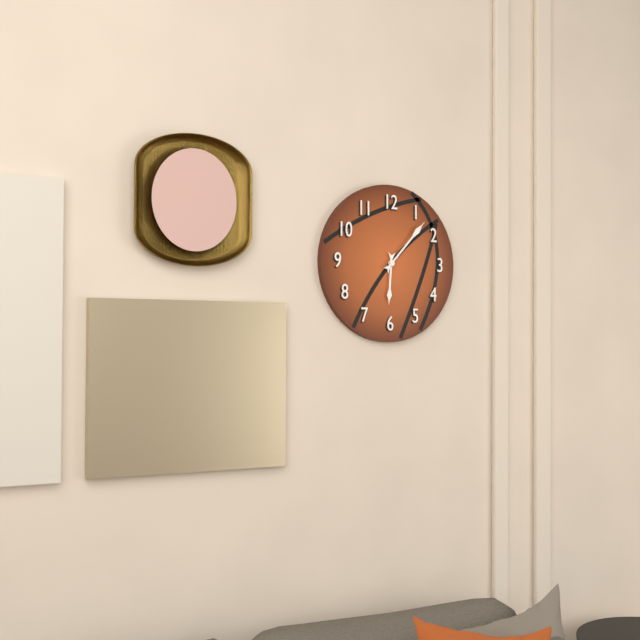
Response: 6:07
